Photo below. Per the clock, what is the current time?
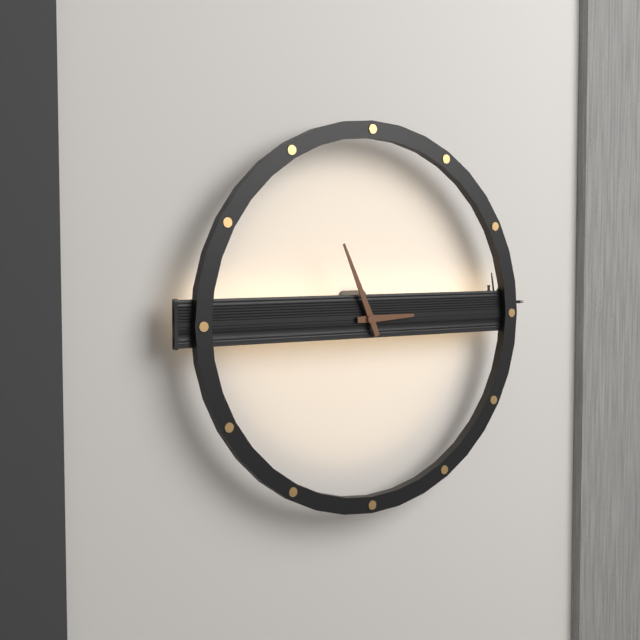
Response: 2:56
